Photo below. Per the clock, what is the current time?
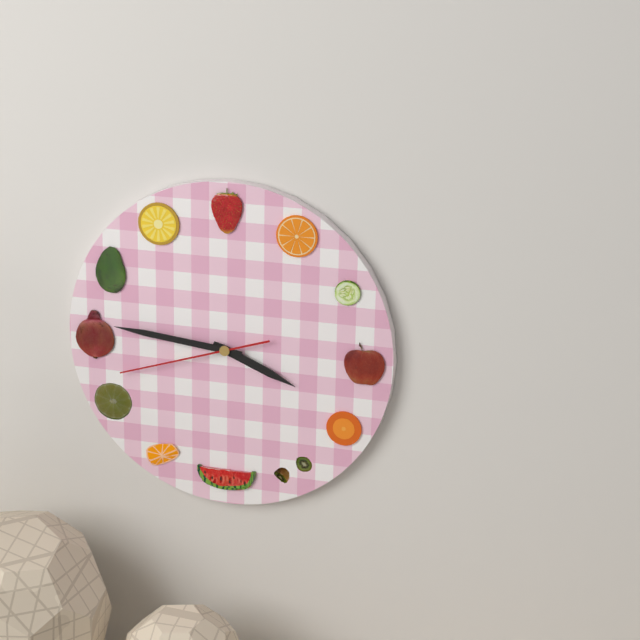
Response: 3:46:42
